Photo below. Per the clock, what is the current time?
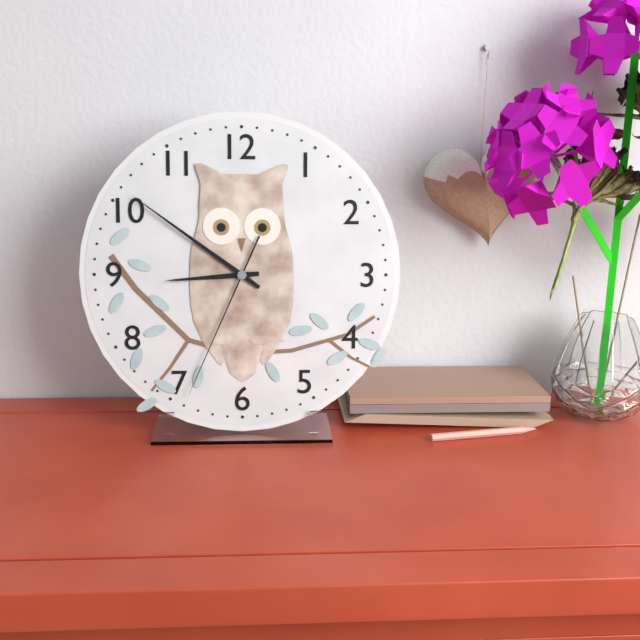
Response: 8:51:34
